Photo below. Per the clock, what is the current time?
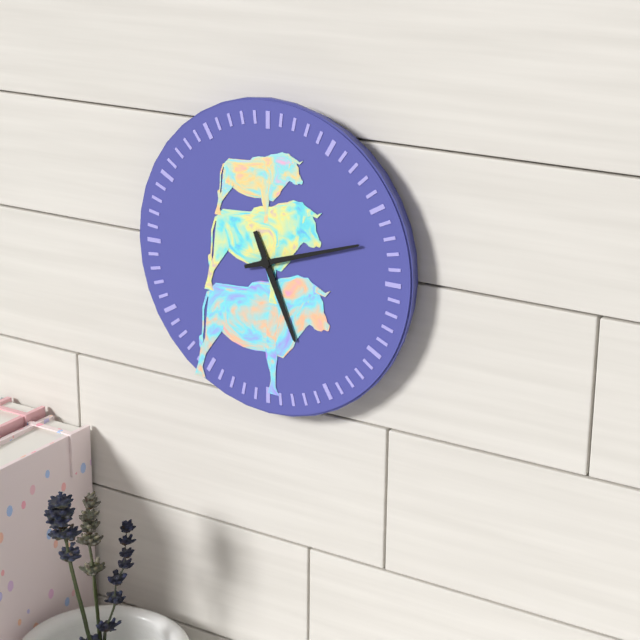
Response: 5:12
